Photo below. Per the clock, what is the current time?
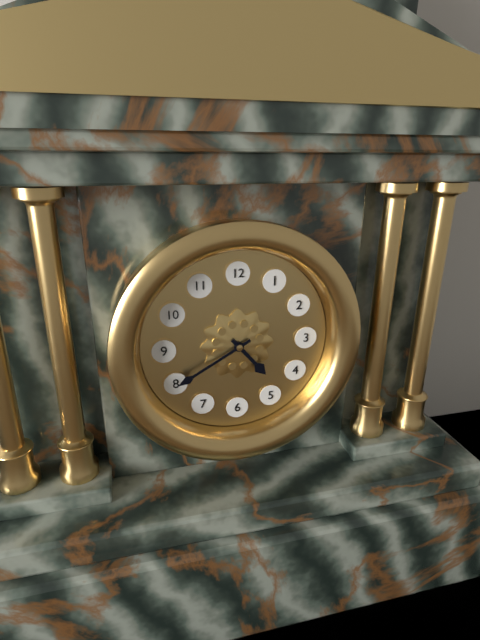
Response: 4:40
